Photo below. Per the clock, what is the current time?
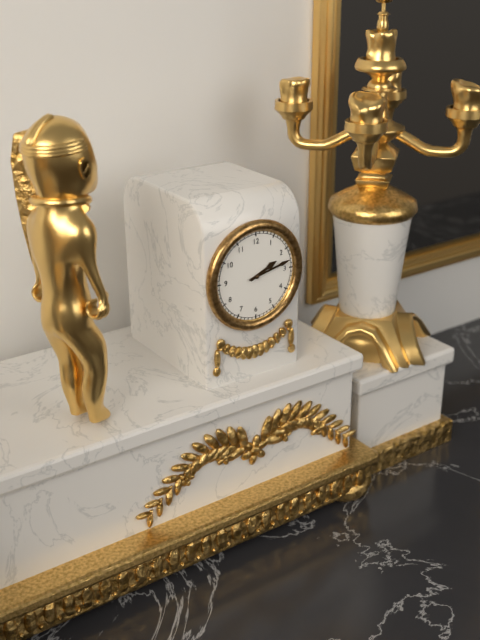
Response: 2:13
